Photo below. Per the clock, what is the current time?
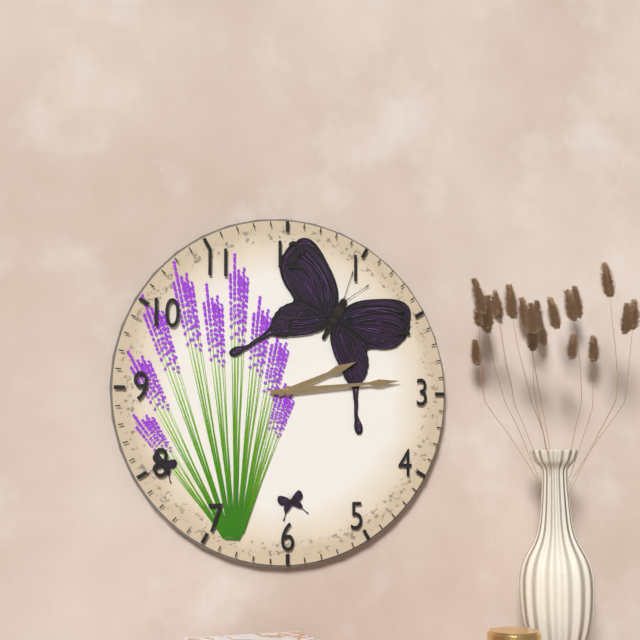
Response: 2:14
